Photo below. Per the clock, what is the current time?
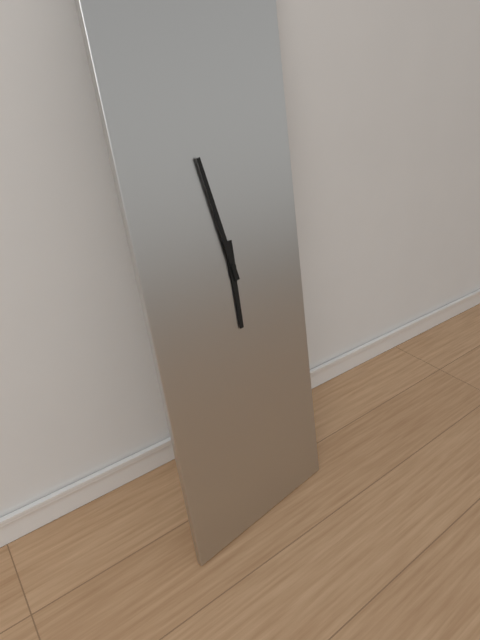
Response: 5:58
